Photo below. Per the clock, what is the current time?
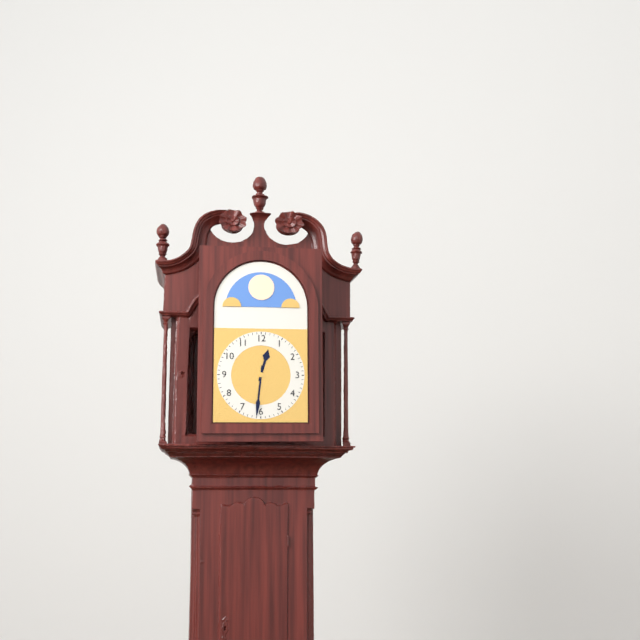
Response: 12:31
